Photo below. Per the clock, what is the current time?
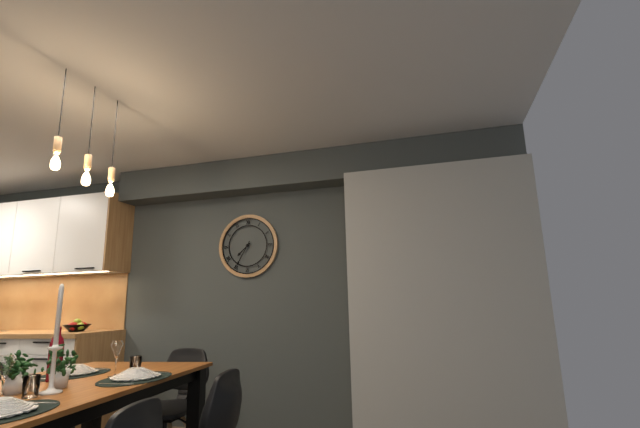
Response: 7:35
